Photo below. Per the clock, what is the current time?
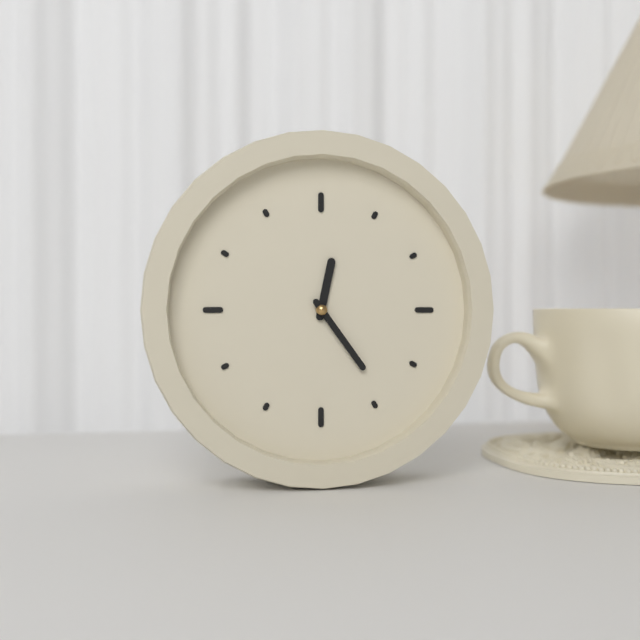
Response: 12:24
